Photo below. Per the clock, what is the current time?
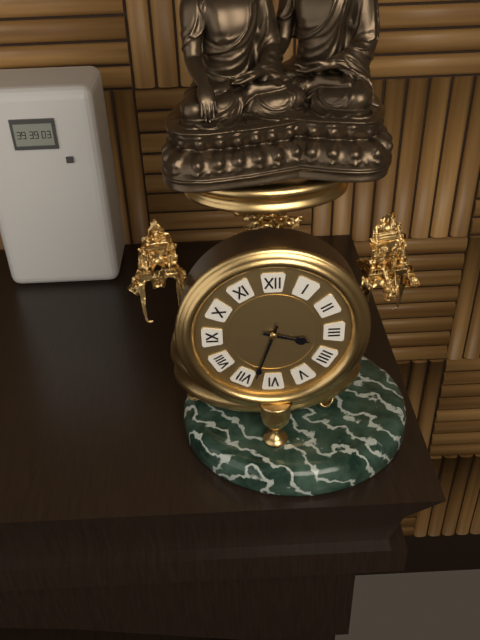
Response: 3:33
